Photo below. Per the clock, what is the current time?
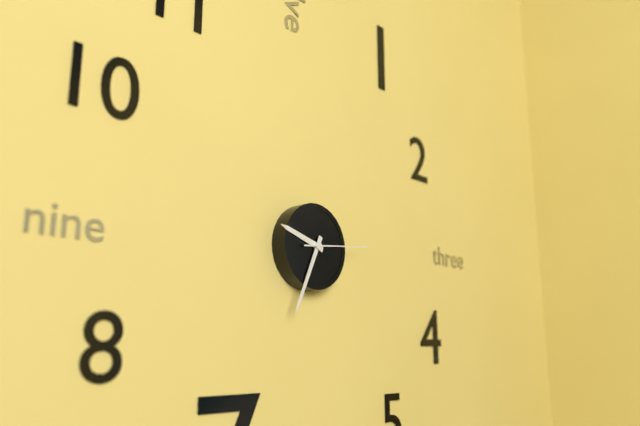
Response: 9:34:14
